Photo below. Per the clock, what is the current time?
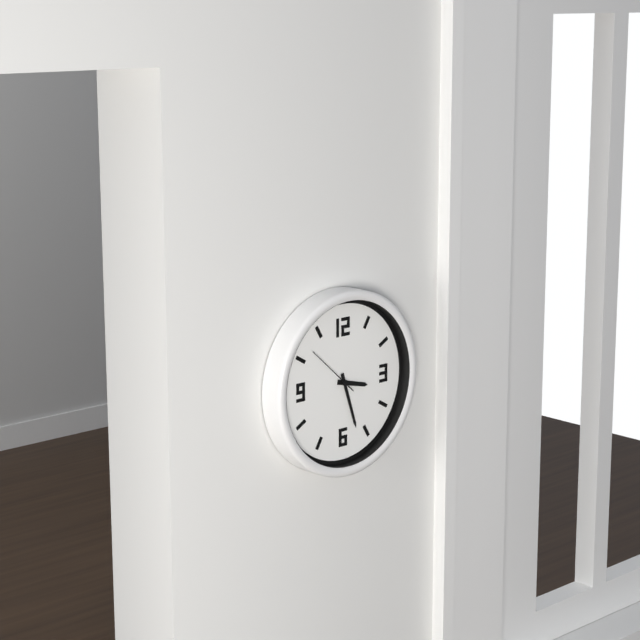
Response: 3:27
